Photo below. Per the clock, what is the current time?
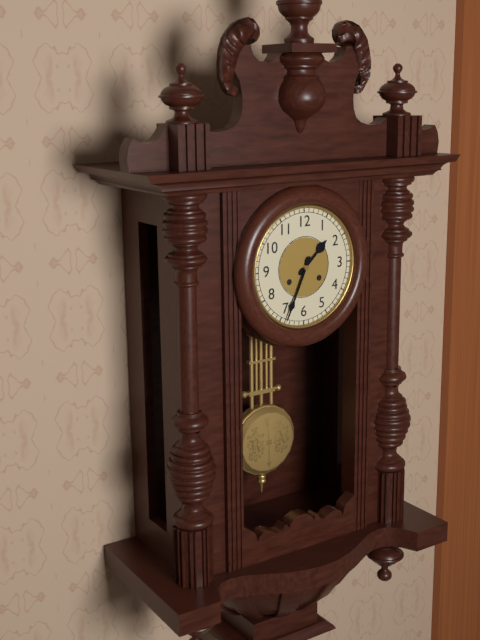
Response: 1:34
